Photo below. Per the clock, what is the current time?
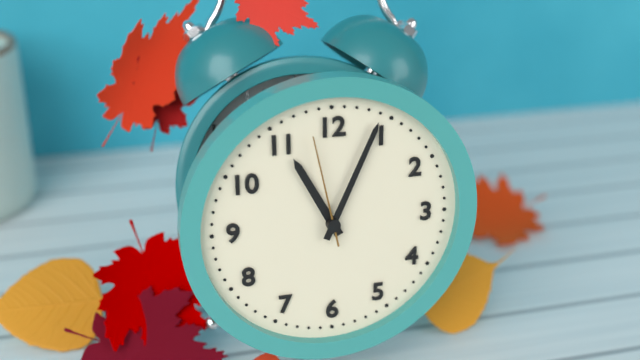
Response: 11:04:58
